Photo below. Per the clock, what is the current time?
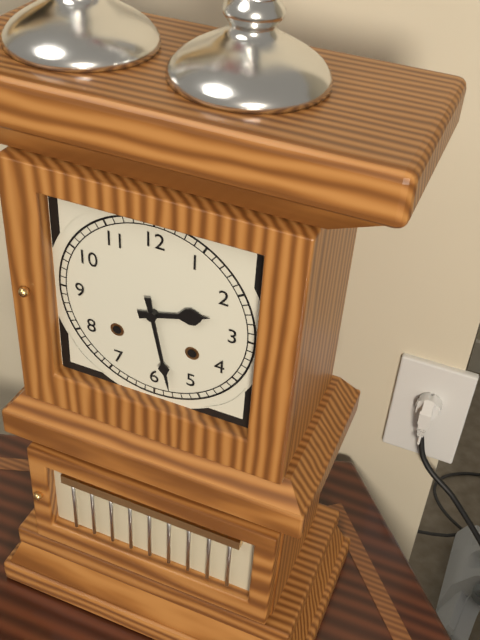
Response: 2:28
